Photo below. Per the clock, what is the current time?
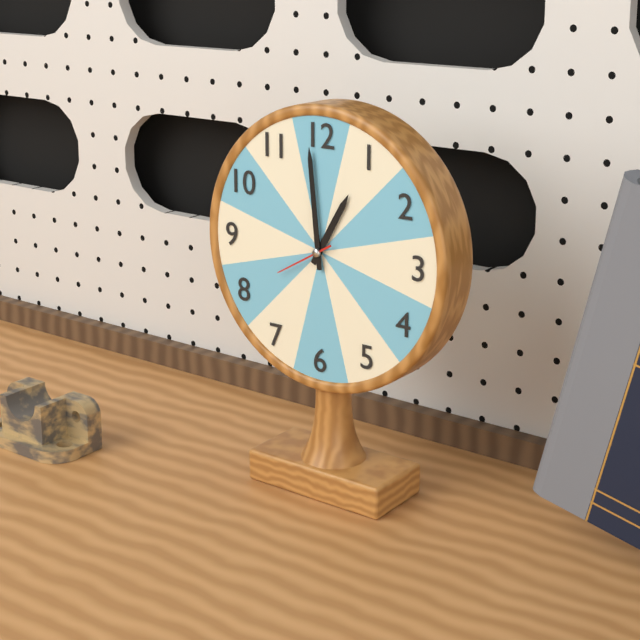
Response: 12:59:40
